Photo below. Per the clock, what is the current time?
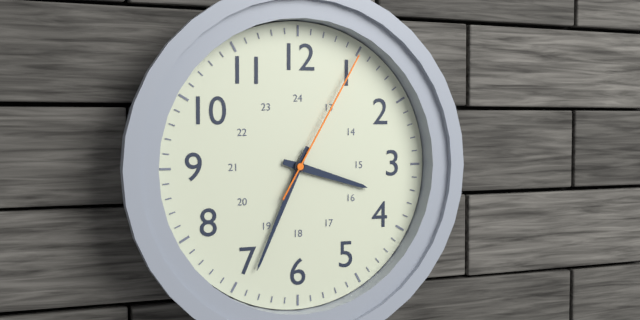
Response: 3:34:05
